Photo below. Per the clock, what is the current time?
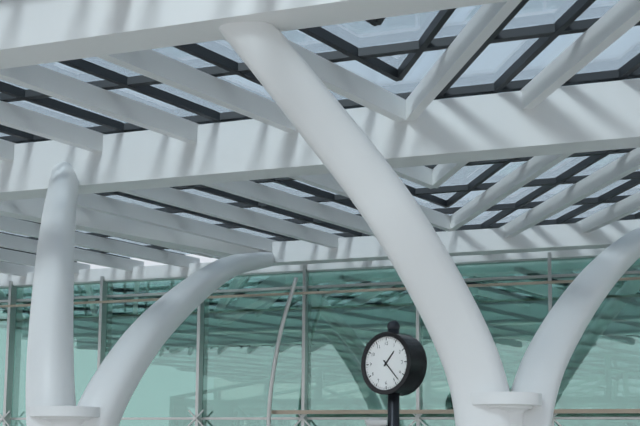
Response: 1:23
